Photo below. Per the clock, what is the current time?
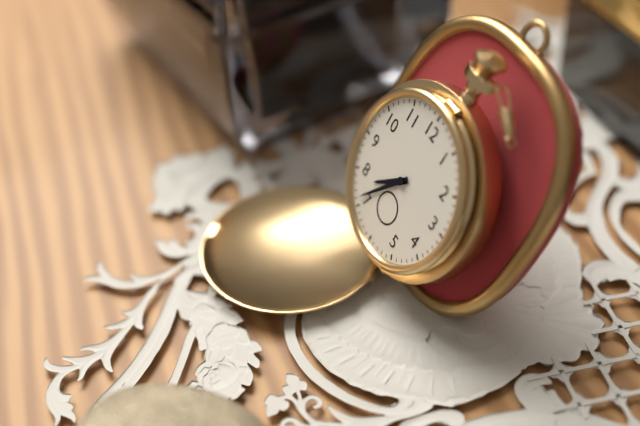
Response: 7:36
